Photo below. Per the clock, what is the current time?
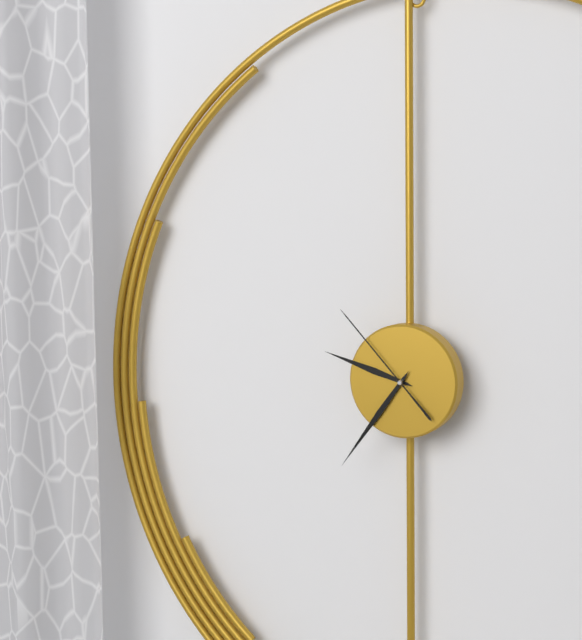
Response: 9:36:53
